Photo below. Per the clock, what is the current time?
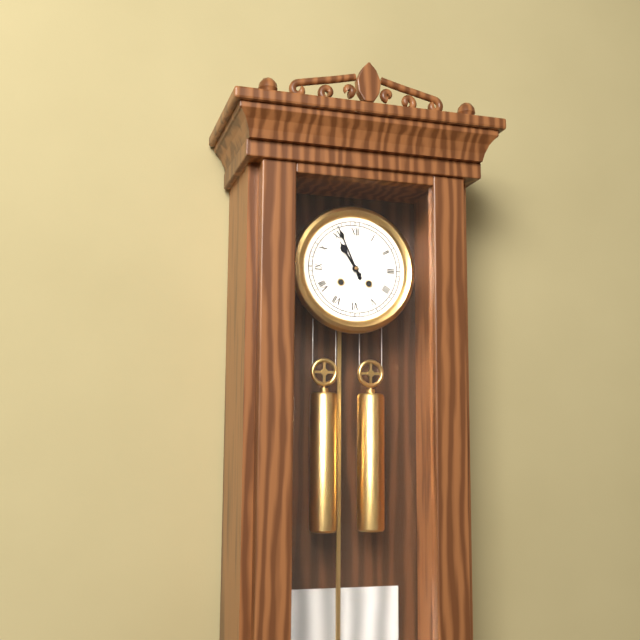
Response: 10:56
